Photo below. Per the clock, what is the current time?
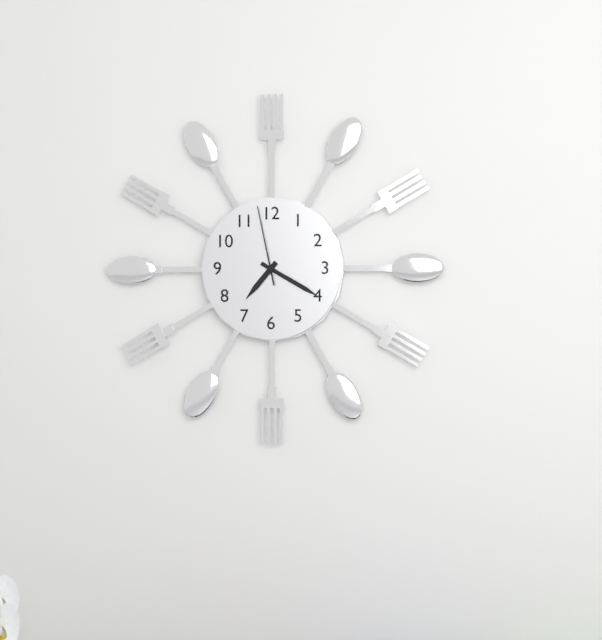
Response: 7:20:58
